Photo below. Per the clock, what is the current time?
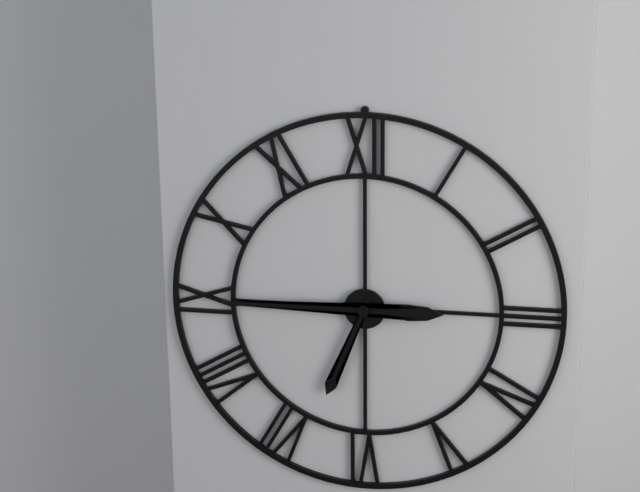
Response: 6:45
